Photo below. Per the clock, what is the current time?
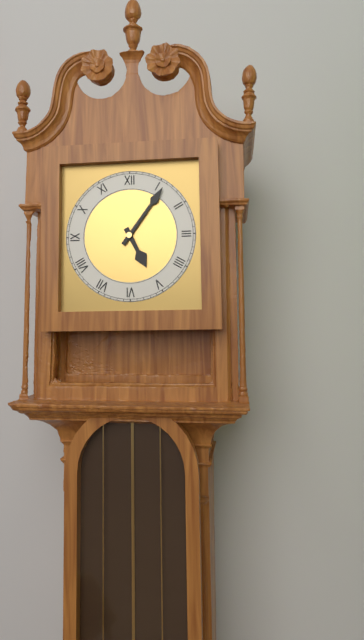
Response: 5:06
